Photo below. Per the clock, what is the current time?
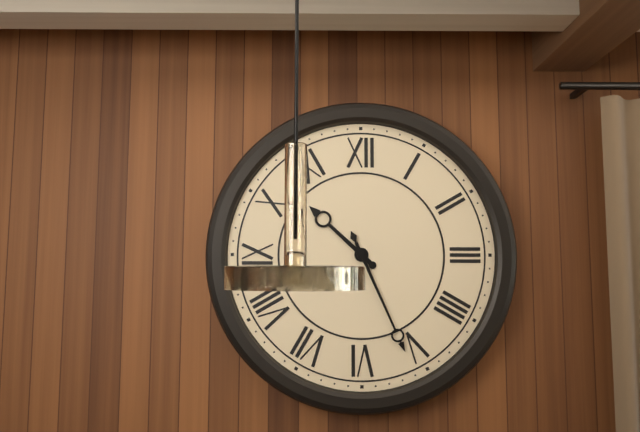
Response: 10:26
